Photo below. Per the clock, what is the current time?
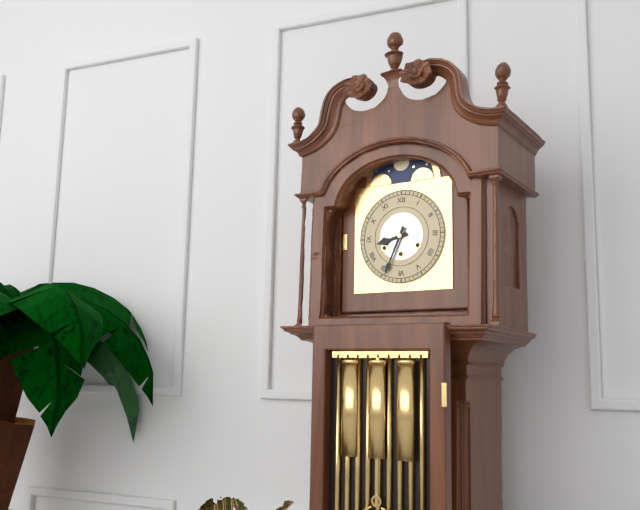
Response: 8:34
